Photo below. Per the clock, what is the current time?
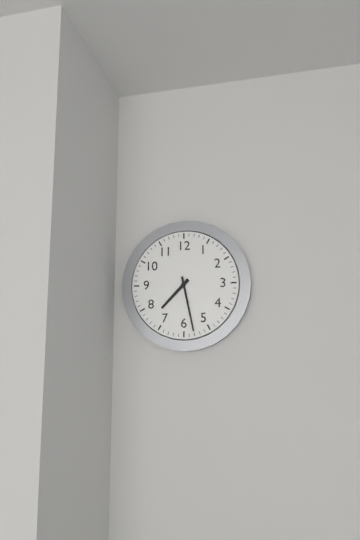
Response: 7:28
